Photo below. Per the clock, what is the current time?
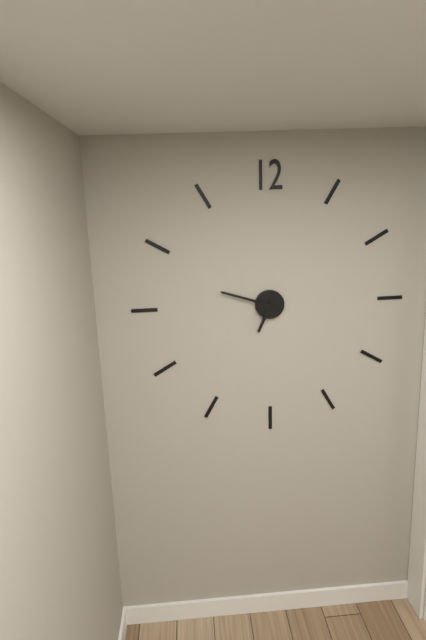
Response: 6:48
